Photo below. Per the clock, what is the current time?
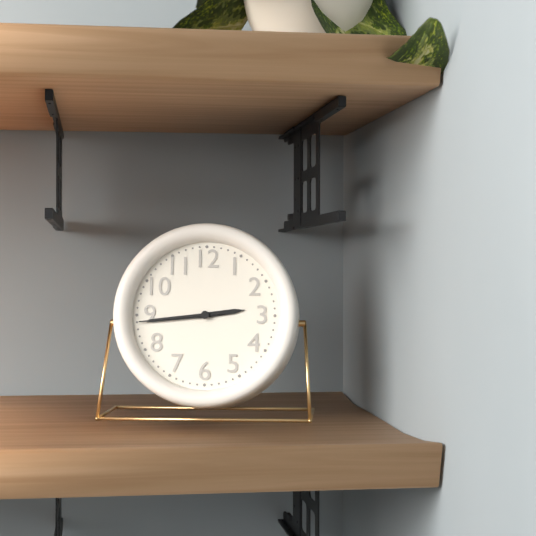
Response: 2:44:44
